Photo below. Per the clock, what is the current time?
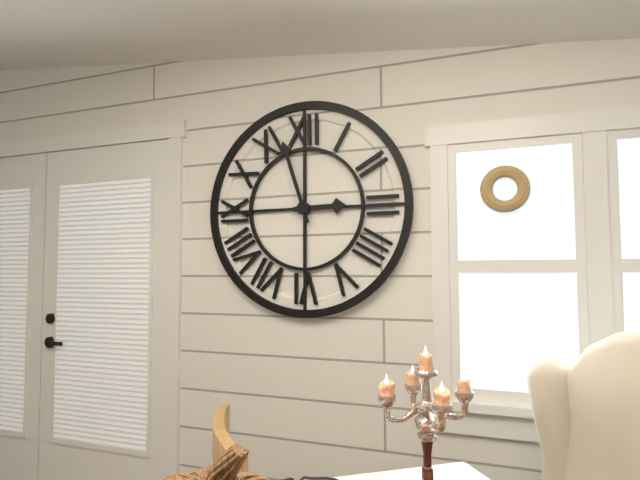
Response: 2:57
